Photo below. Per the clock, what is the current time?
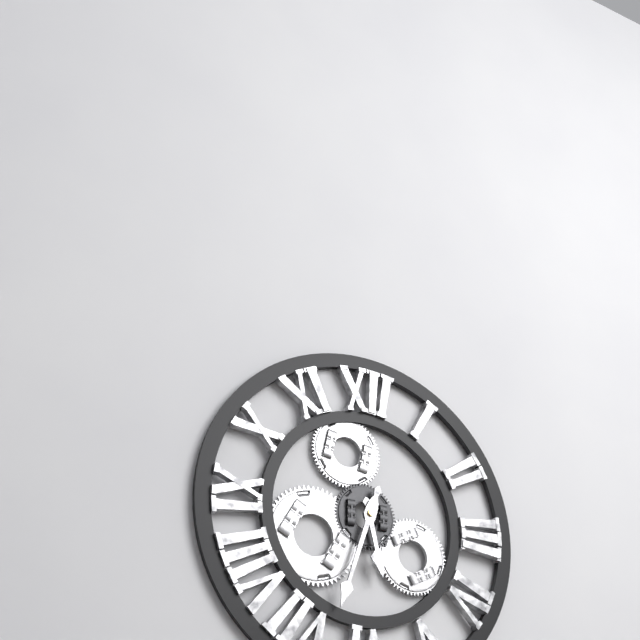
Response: 5:33
